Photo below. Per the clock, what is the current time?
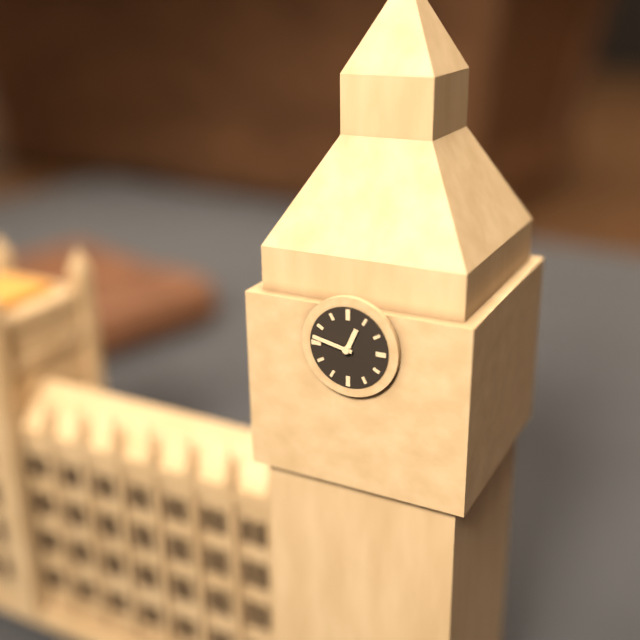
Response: 12:47
